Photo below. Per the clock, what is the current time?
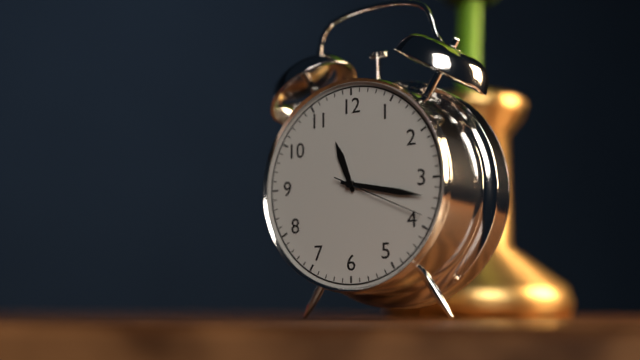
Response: 11:17:19
